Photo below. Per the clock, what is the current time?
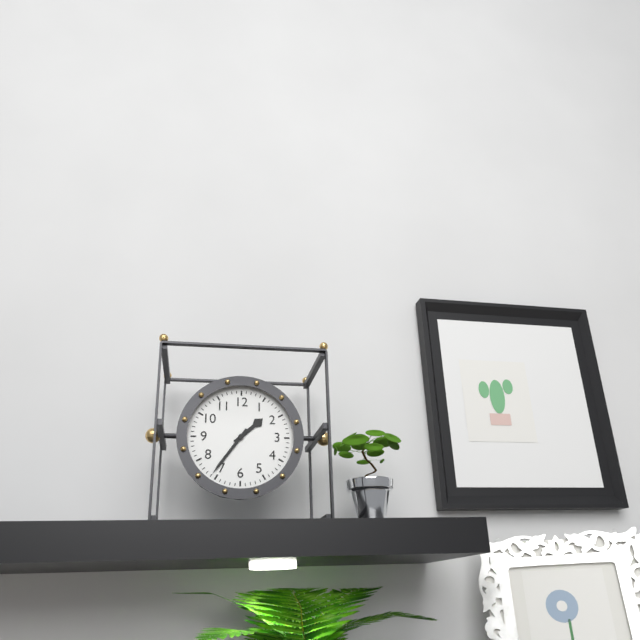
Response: 1:36
